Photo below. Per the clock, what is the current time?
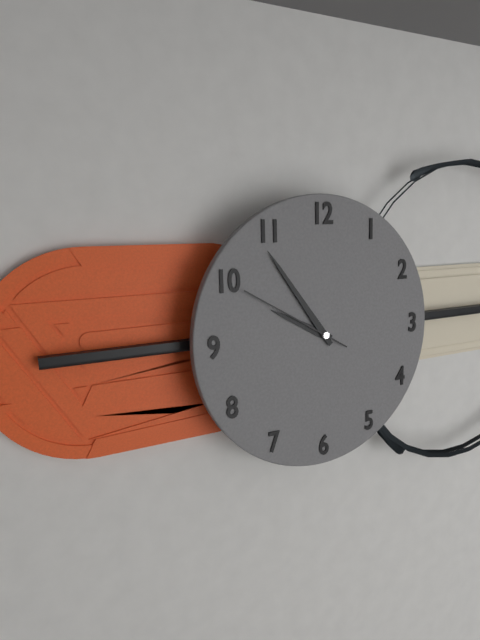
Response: 9:54:50
